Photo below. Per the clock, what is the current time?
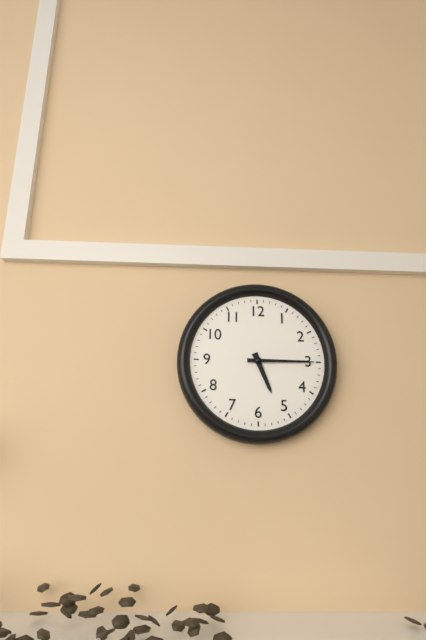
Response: 5:15
